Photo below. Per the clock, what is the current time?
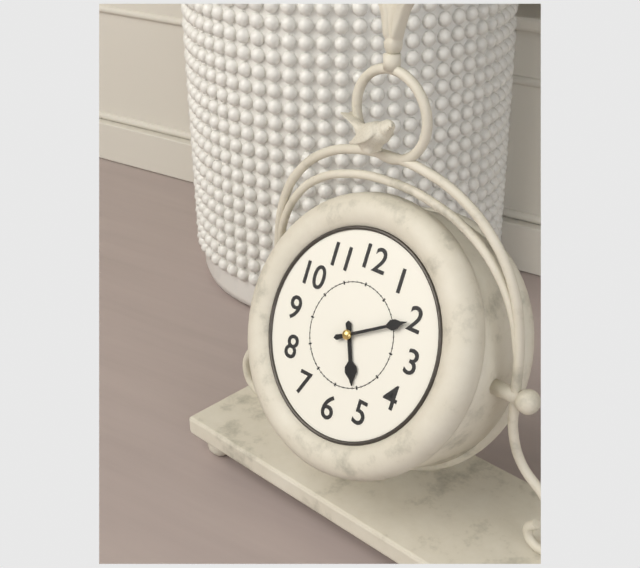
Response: 5:10
